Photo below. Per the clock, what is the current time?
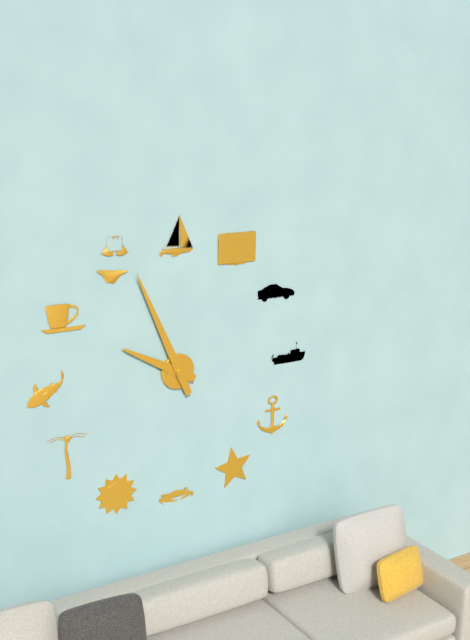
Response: 9:56
